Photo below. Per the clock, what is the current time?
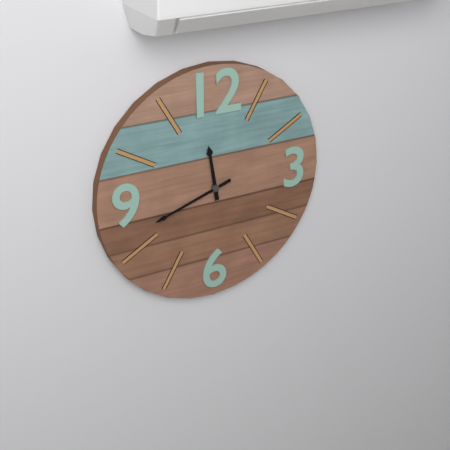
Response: 11:42
